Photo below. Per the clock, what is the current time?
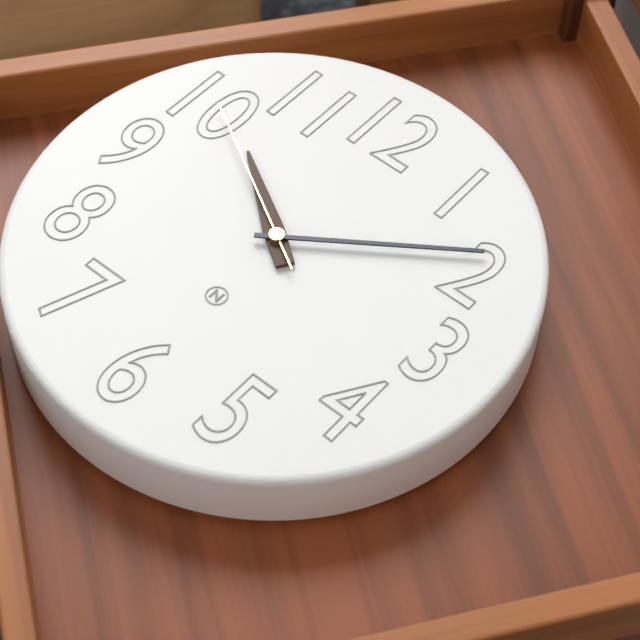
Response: 10:09:50
